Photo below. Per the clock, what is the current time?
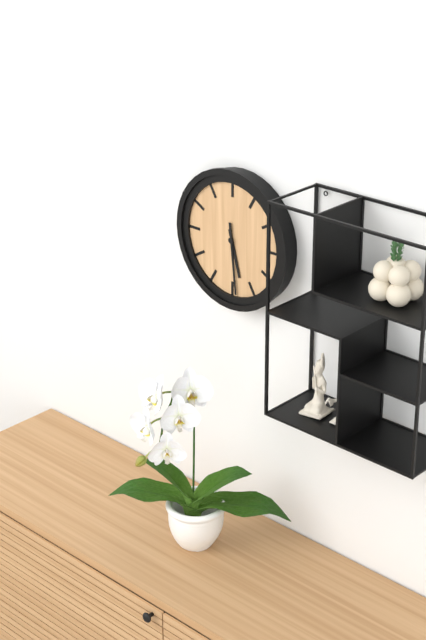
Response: 5:29
